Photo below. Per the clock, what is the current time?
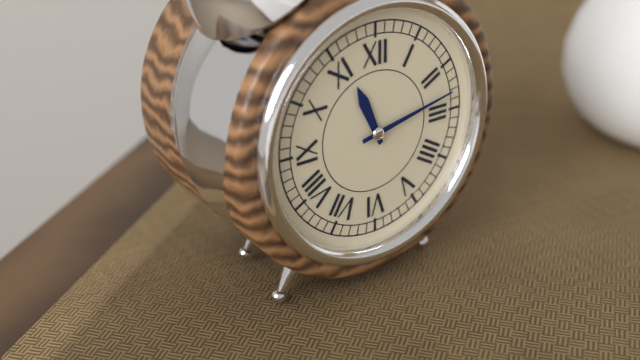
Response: 11:13
